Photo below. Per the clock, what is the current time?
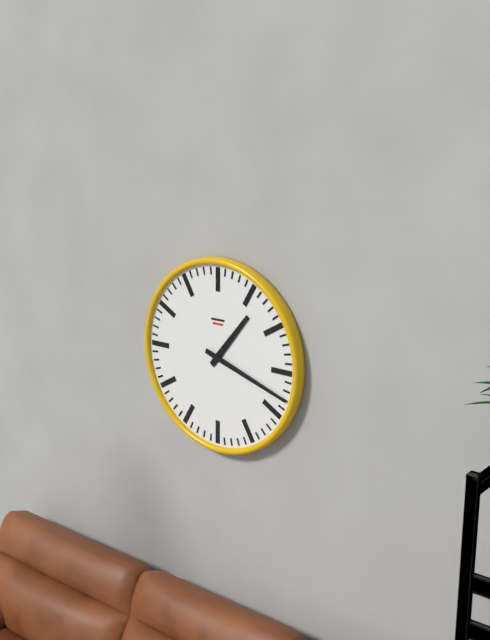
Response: 1:18
